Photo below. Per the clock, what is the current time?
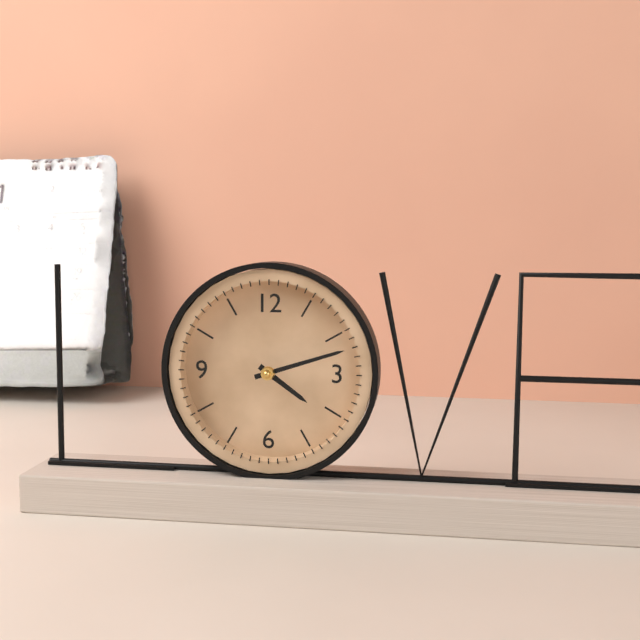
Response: 4:12
